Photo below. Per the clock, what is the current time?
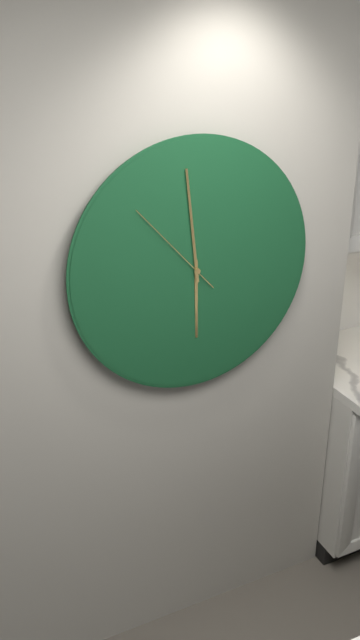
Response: 5:59:53
